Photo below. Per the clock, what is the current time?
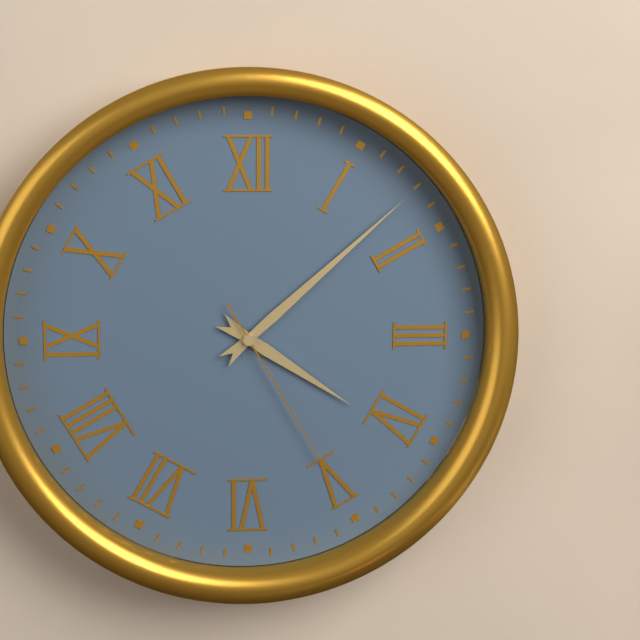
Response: 4:08:25
